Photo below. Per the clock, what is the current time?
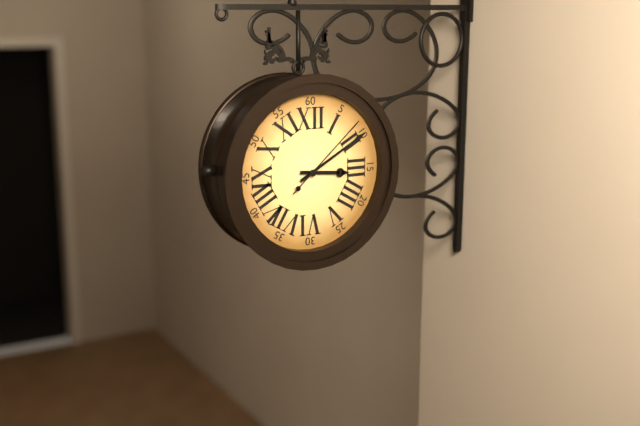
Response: 3:10:08
